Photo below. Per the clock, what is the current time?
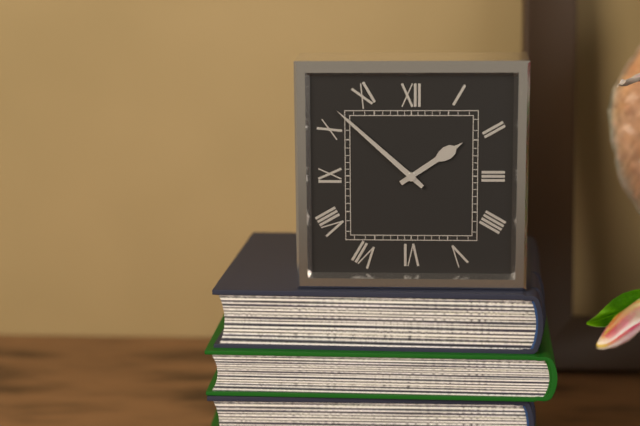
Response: 1:52
